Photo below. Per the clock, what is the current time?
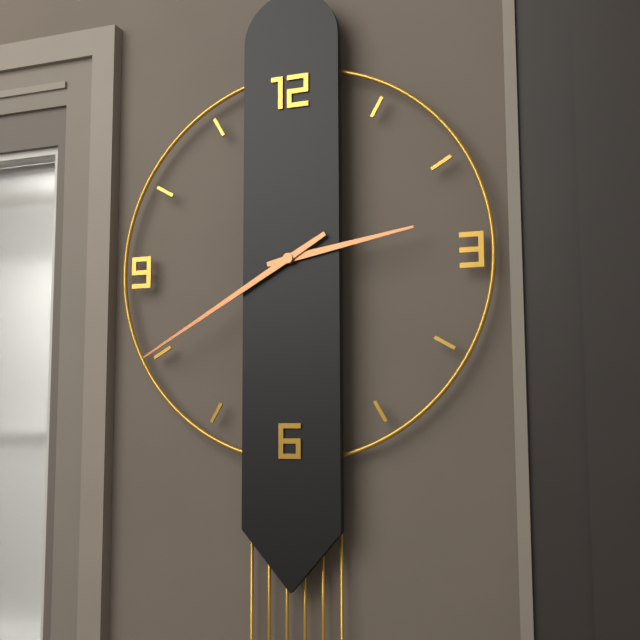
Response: 2:40
